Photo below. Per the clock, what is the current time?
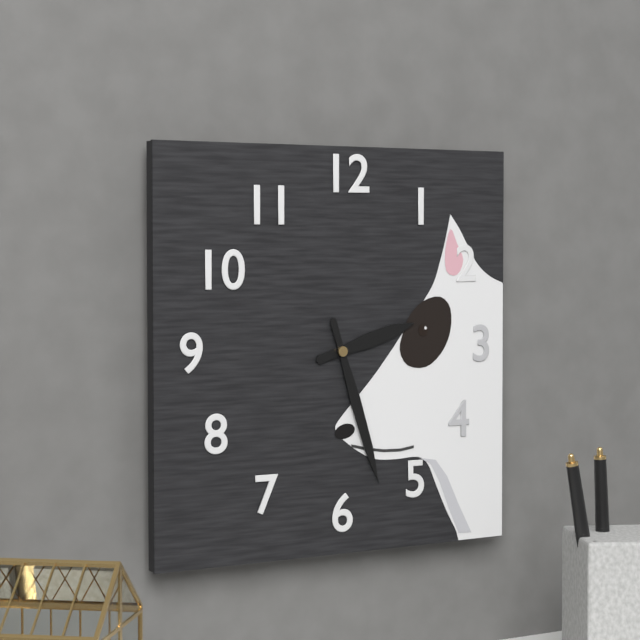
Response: 2:27
